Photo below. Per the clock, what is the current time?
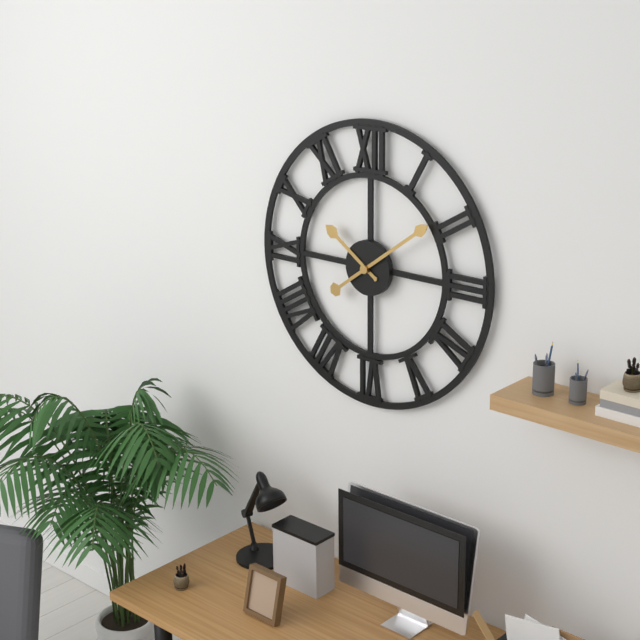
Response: 10:09
